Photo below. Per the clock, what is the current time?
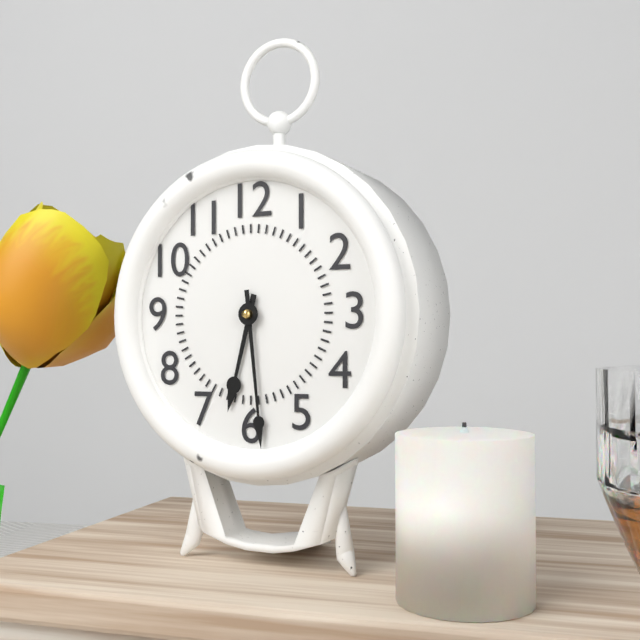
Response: 6:29
